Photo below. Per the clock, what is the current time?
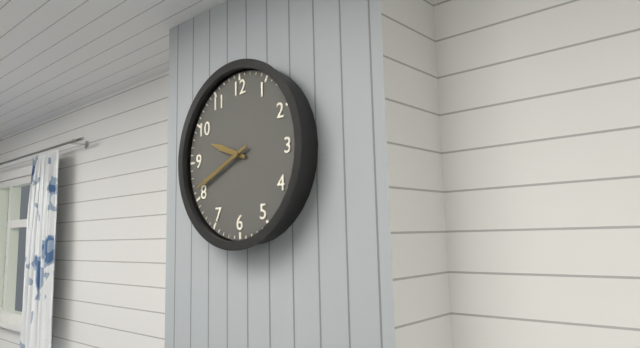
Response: 9:41
